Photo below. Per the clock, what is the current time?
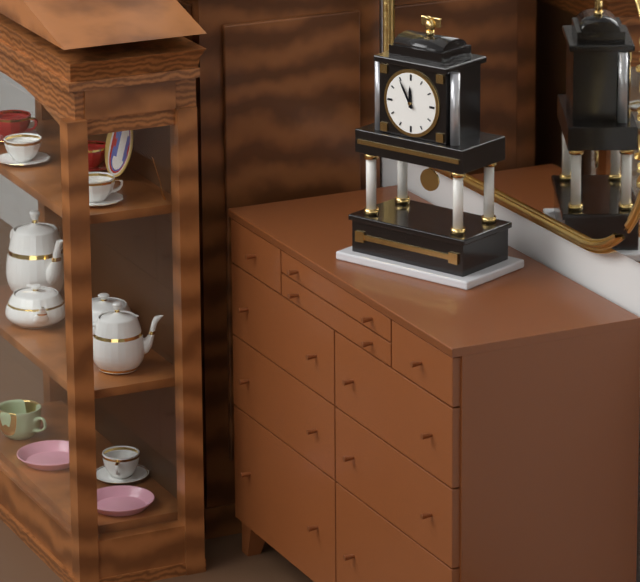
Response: 11:55
